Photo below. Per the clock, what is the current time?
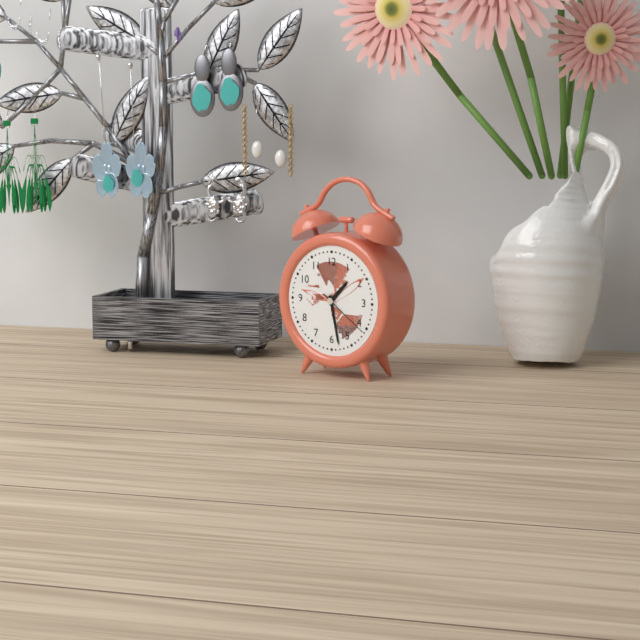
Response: 1:28:21
